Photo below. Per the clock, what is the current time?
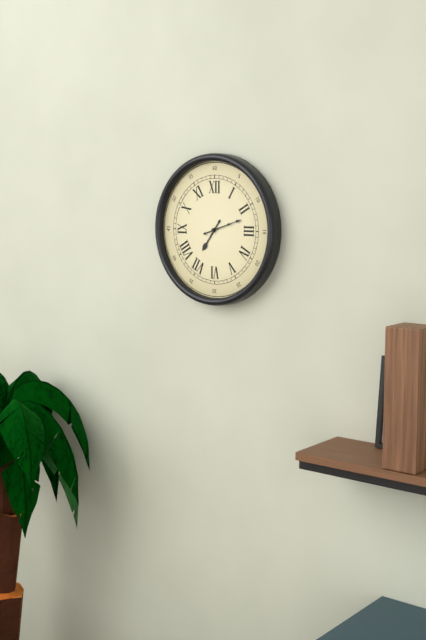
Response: 7:12
